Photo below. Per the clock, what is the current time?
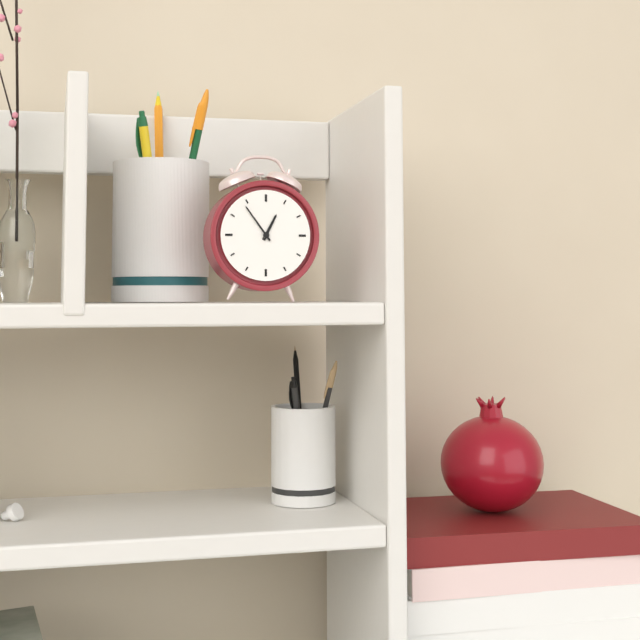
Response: 12:54
